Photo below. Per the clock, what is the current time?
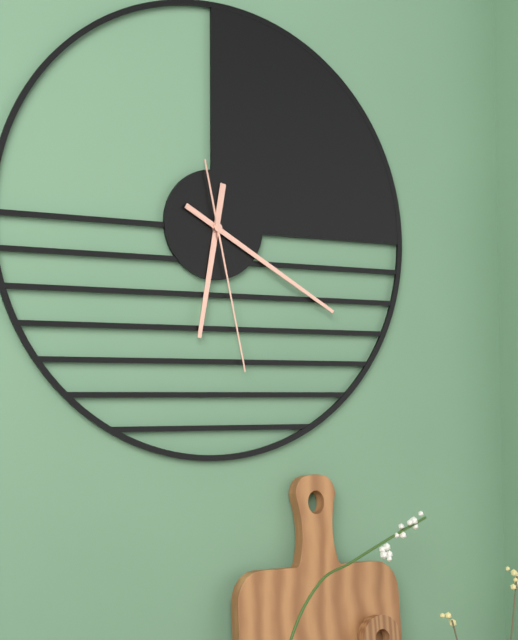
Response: 6:20:28
